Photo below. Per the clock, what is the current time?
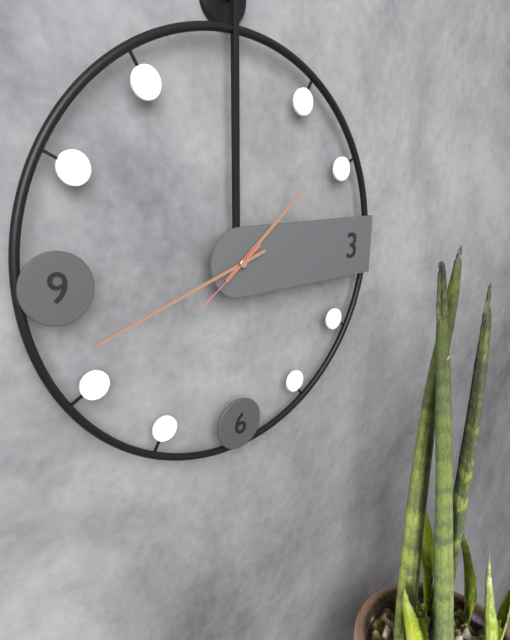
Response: 1:42:39
